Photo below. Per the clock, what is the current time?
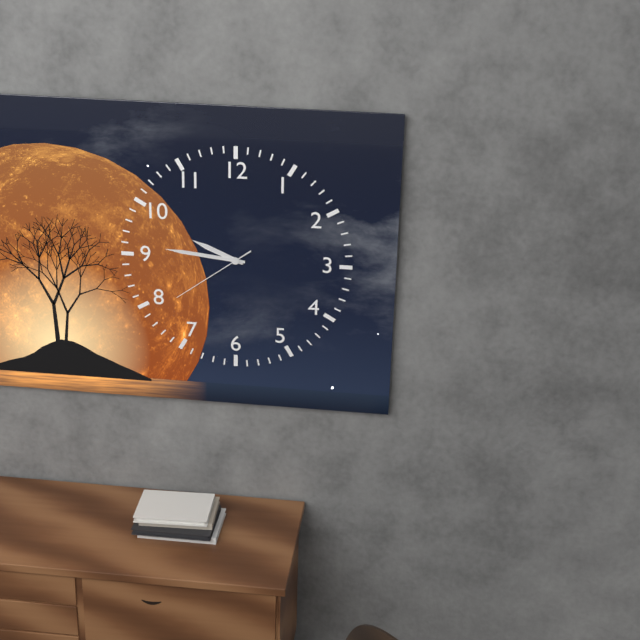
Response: 9:46:39
